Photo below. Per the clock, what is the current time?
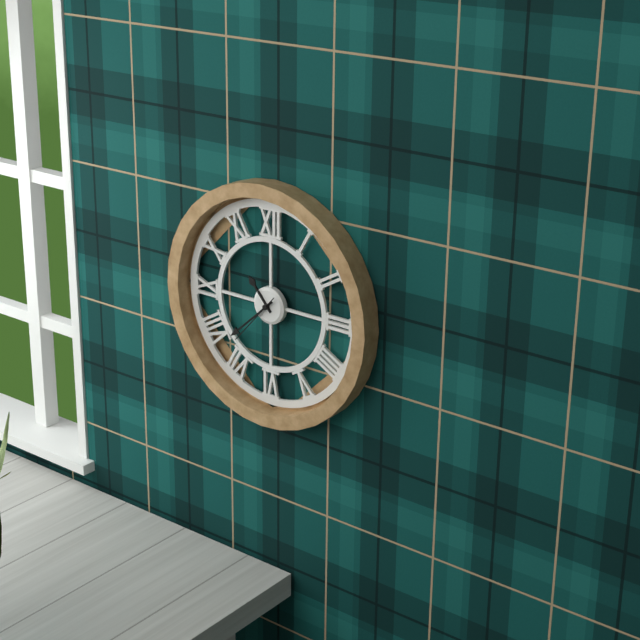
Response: 10:38:37
